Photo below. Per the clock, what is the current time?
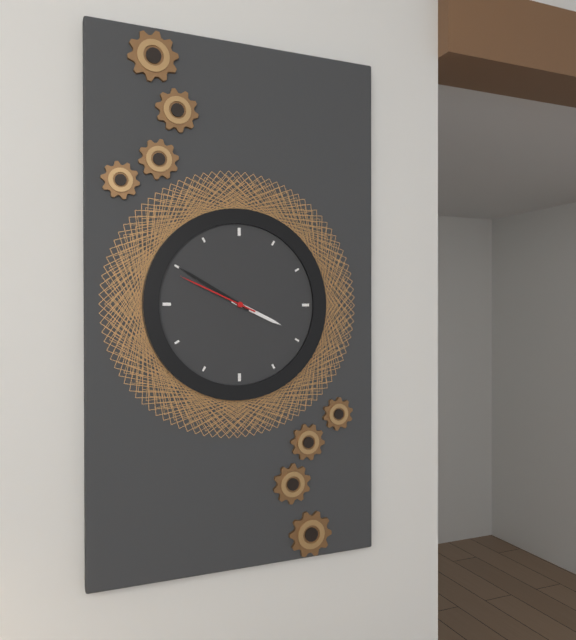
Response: 3:50:49
